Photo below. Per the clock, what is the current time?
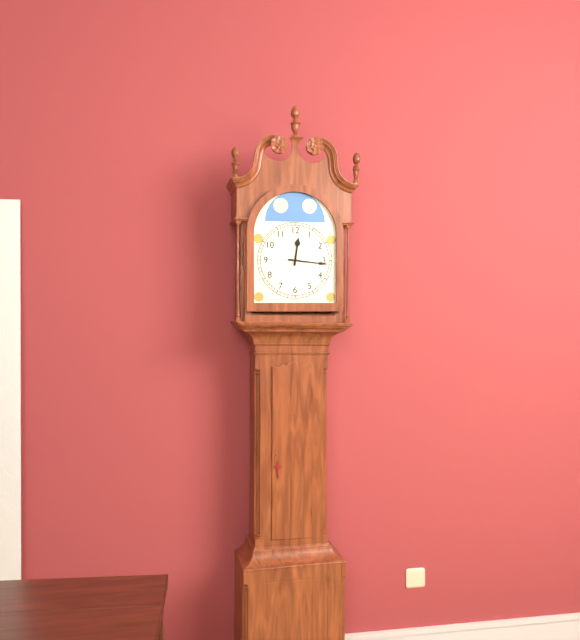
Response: 12:16
